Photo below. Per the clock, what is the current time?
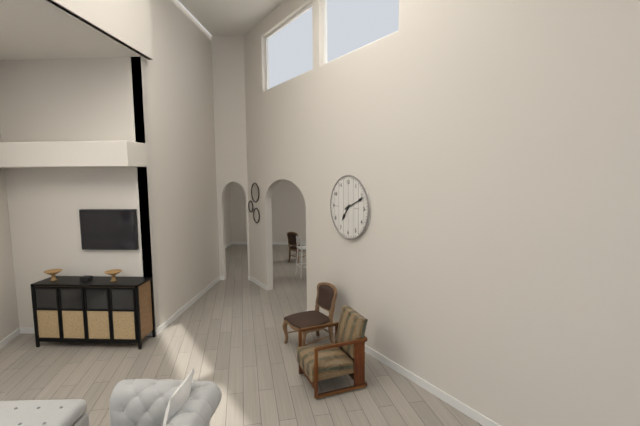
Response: 7:11
